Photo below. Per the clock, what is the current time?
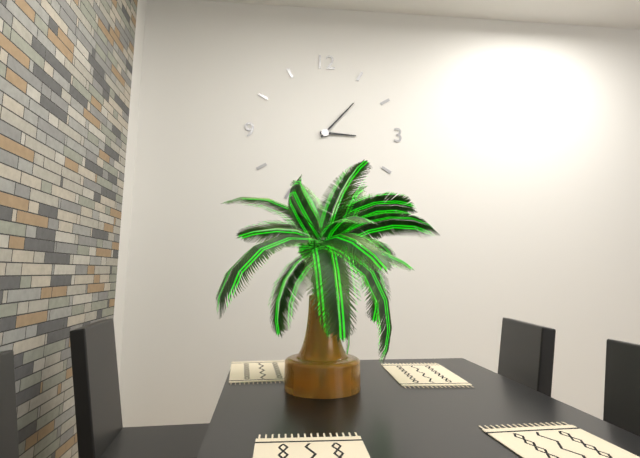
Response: 3:07
